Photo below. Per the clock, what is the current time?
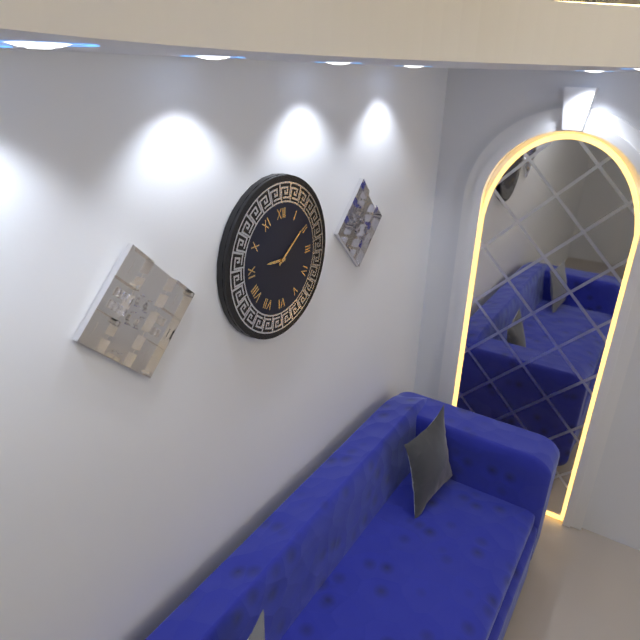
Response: 9:09
